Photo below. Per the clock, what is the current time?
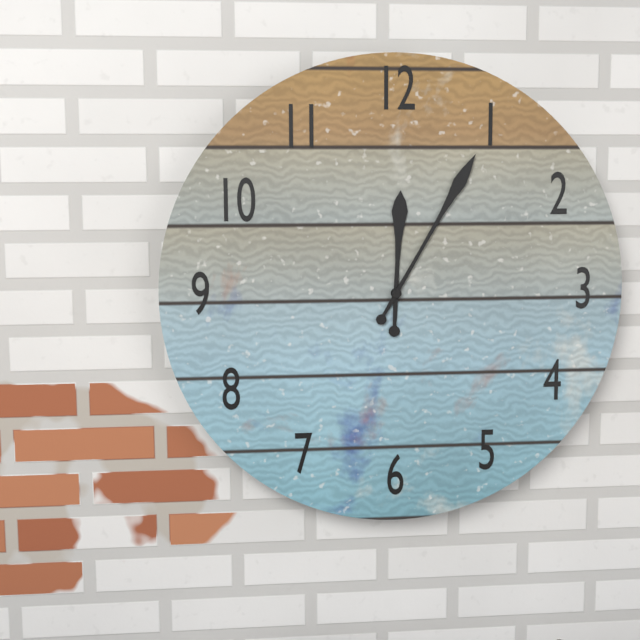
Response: 12:05
